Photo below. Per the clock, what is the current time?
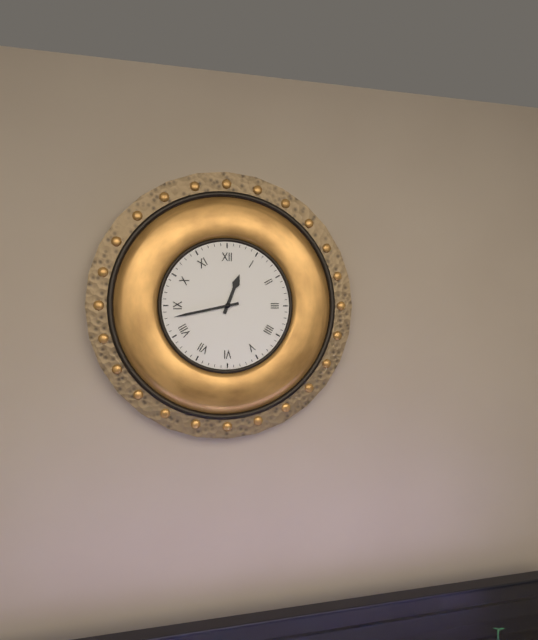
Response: 12:43
